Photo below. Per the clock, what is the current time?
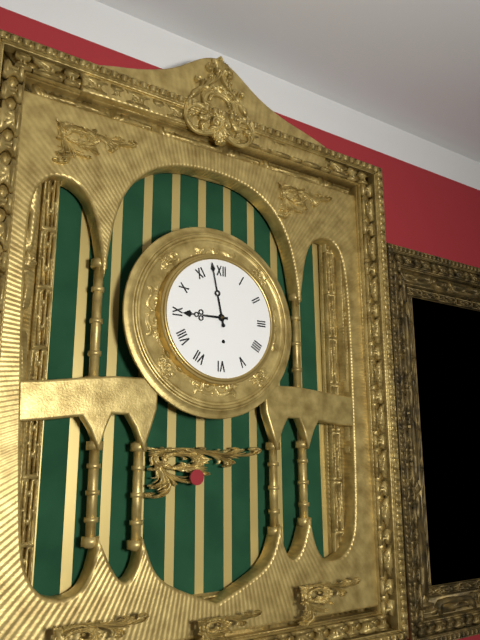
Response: 8:58
